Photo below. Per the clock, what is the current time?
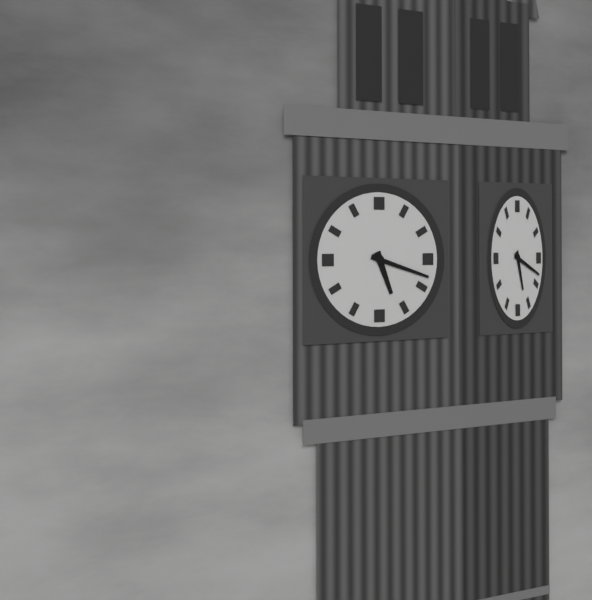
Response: 5:18
